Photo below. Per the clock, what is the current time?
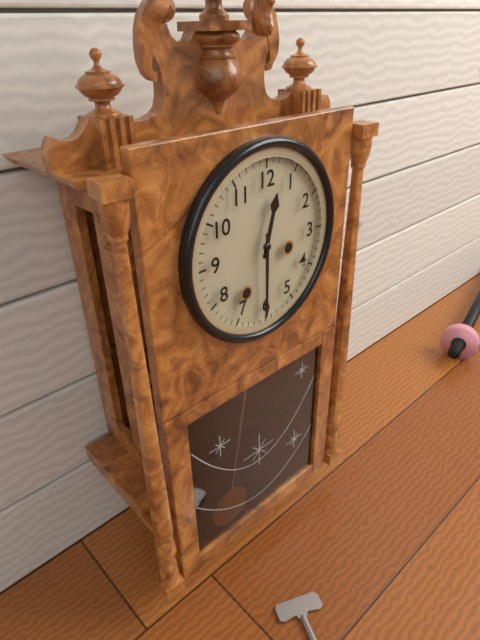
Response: 12:30
